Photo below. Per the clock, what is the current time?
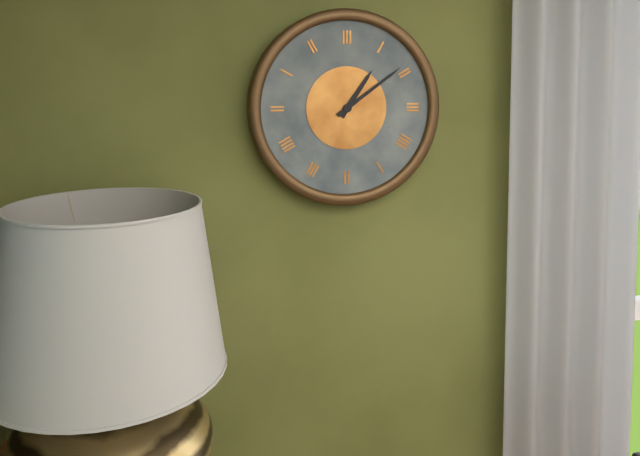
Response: 1:09
